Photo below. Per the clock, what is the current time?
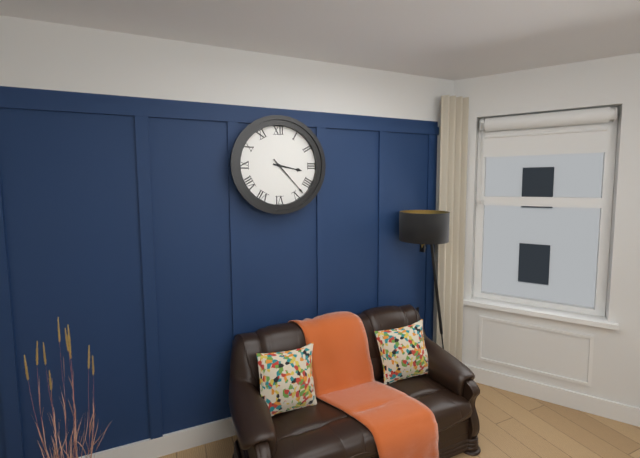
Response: 3:23
